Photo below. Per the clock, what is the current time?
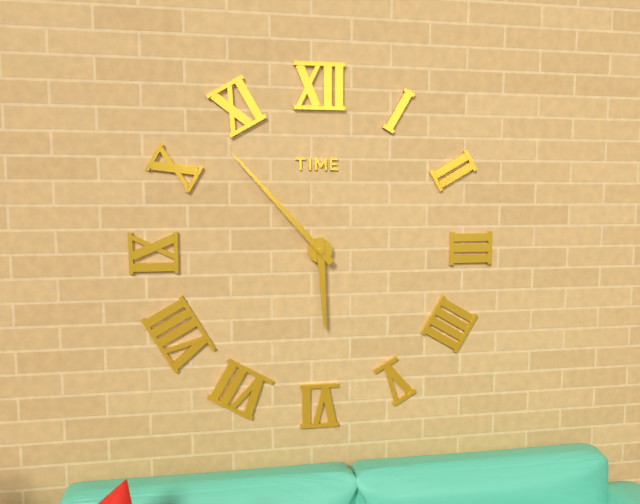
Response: 5:53
